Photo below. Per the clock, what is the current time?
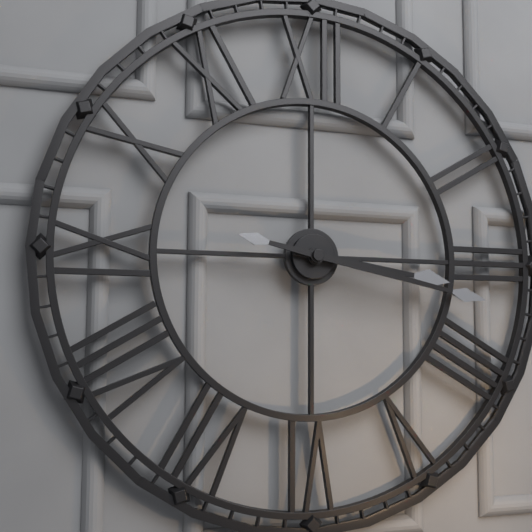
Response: 3:17
